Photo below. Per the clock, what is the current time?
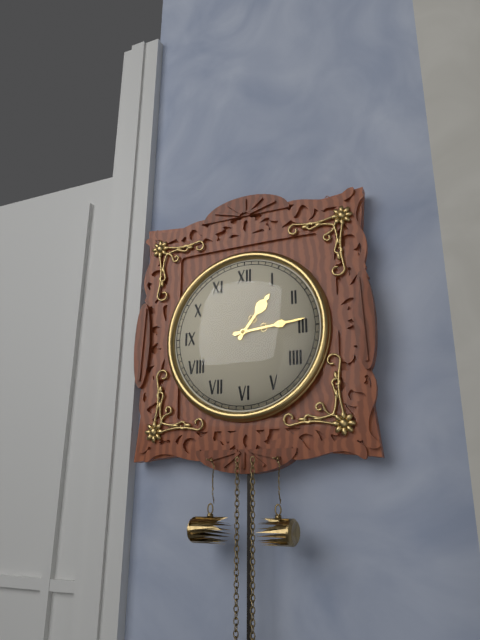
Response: 1:14
